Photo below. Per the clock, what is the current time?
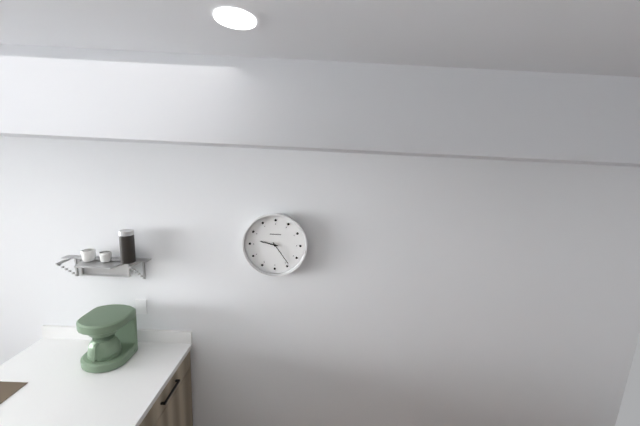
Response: 9:24
